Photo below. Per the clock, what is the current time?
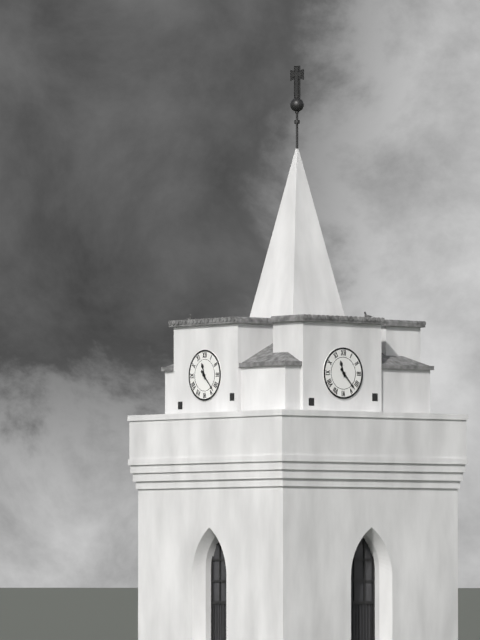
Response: 11:23
